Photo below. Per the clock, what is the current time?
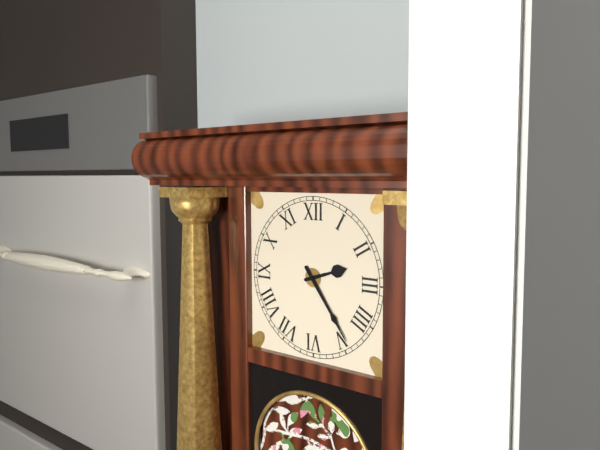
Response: 2:24
